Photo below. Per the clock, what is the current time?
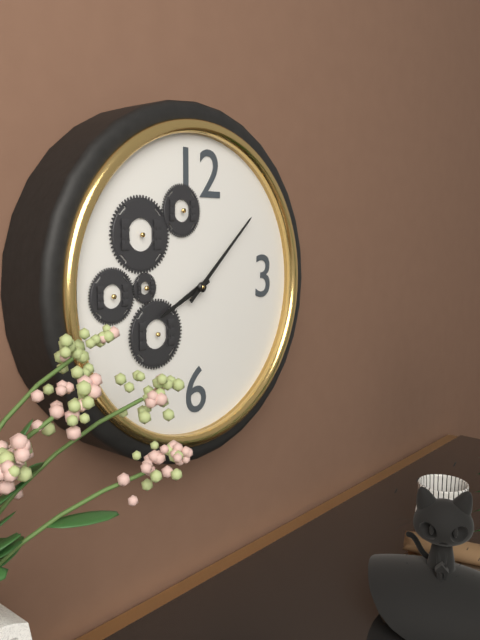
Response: 8:08
